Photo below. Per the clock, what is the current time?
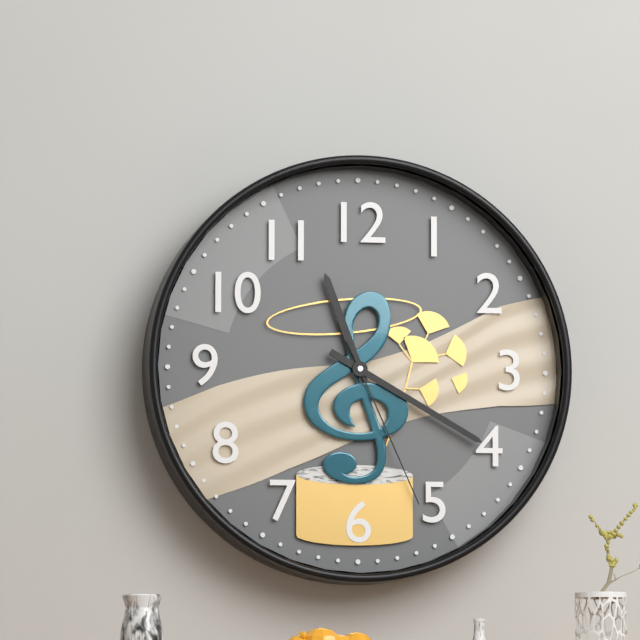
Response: 11:20:26
